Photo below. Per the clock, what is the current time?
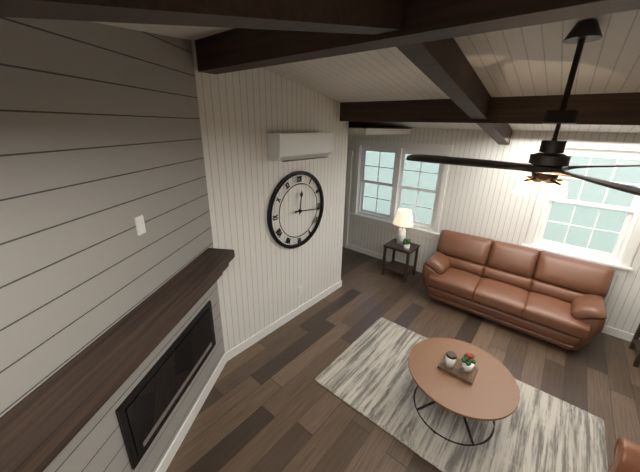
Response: 12:16
